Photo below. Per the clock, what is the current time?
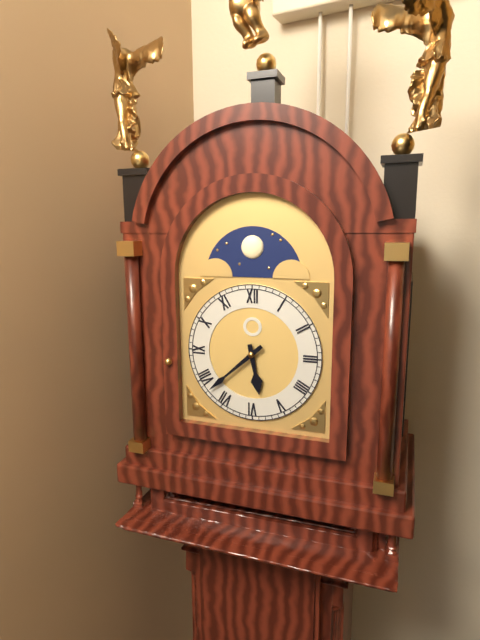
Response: 5:38
